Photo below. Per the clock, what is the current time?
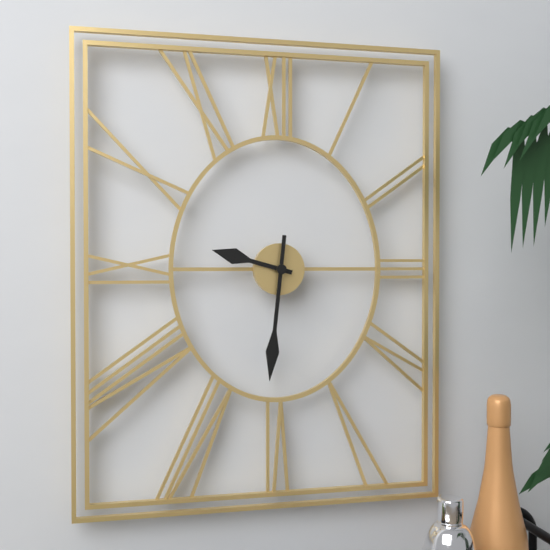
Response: 9:31
